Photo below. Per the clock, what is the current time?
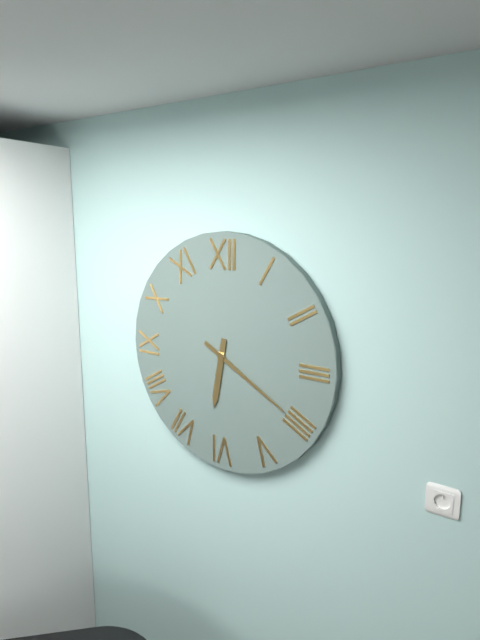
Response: 6:20
